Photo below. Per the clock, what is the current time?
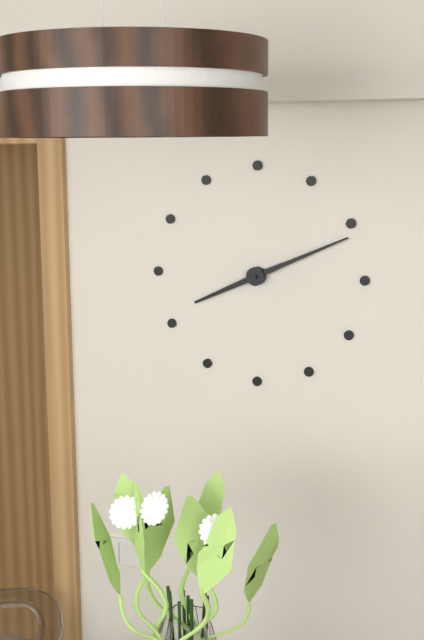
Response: 8:11
